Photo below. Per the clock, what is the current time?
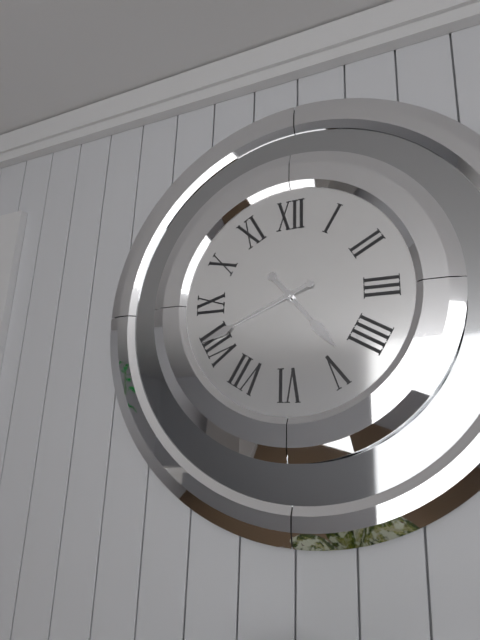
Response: 4:41
